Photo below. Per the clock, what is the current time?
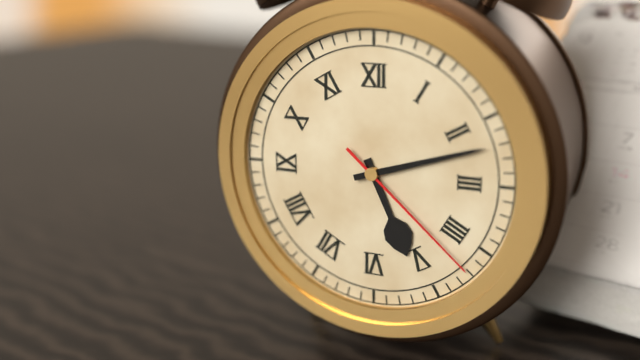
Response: 5:12:22
